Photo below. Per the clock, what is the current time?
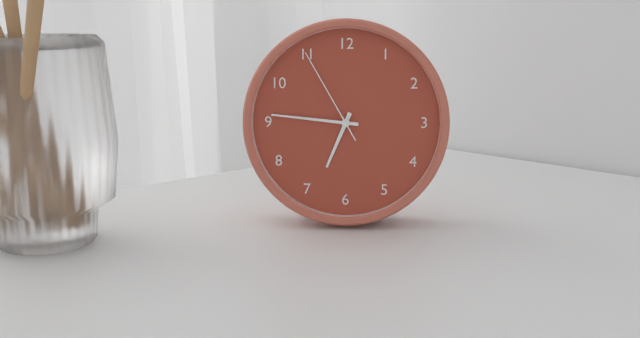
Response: 6:46:55
